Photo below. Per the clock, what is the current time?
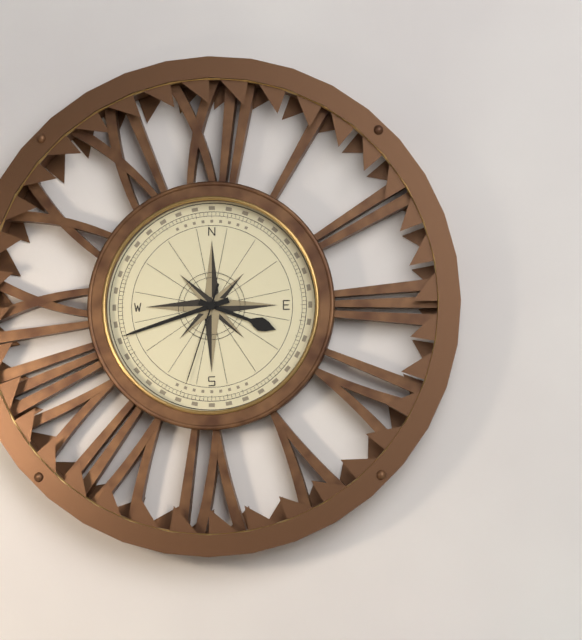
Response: 3:42:33
